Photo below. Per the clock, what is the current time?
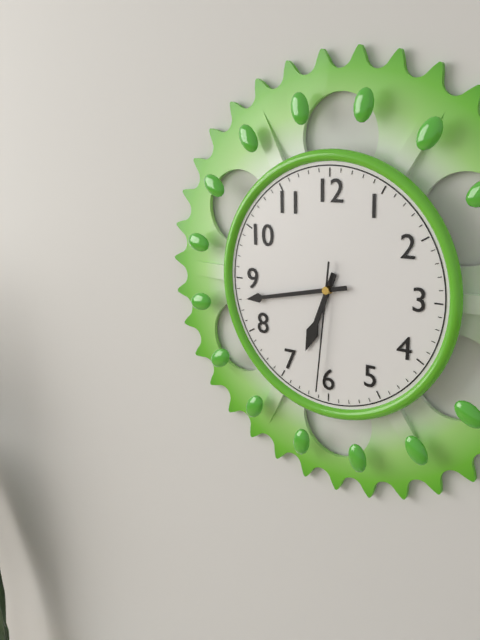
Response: 6:43:31
